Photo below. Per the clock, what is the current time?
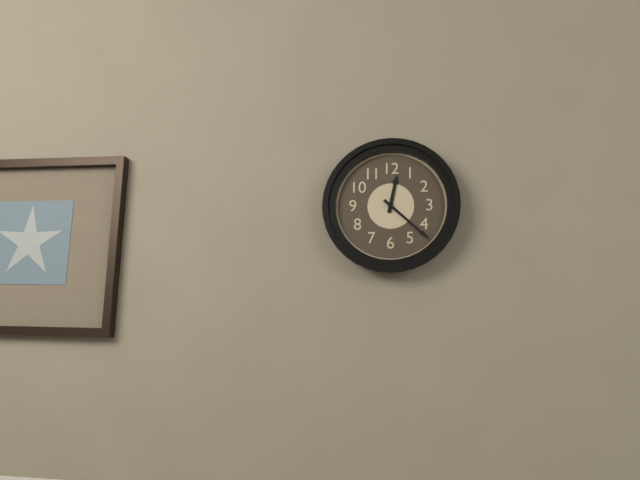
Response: 12:22
